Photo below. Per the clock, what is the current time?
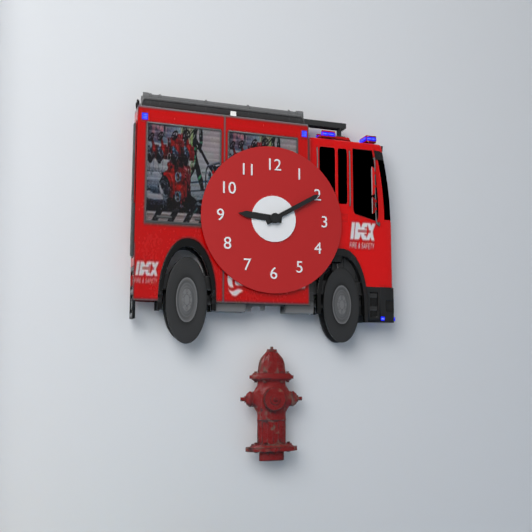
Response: 9:10
